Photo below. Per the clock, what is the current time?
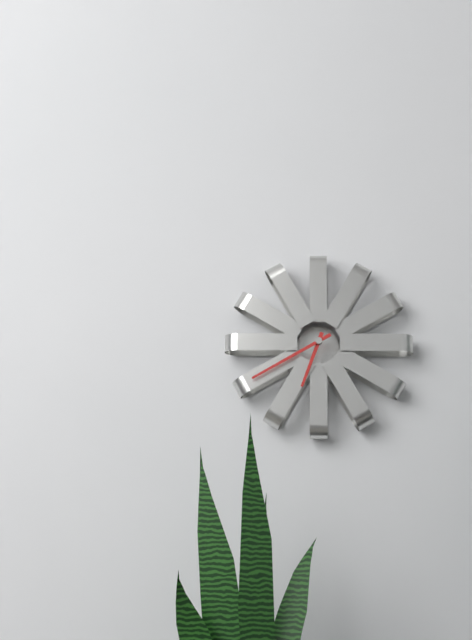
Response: 6:40
